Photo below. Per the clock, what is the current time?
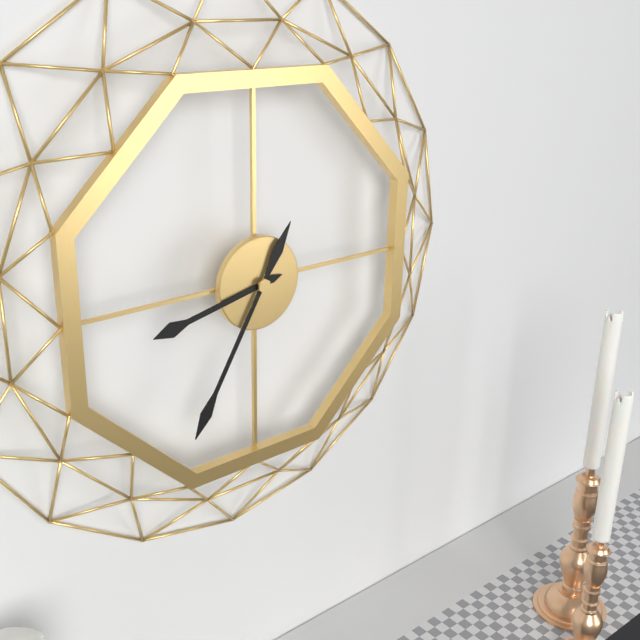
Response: 8:35
